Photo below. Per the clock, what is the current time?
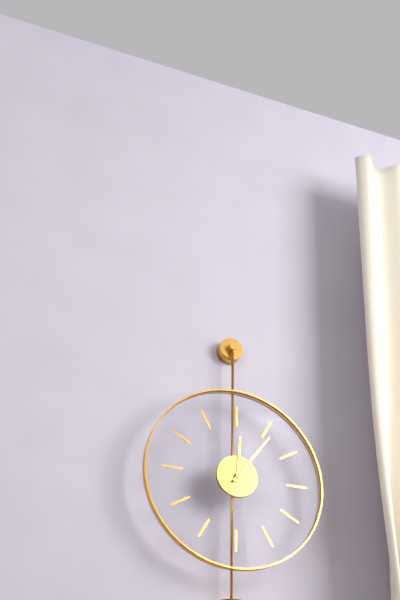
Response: 12:06
